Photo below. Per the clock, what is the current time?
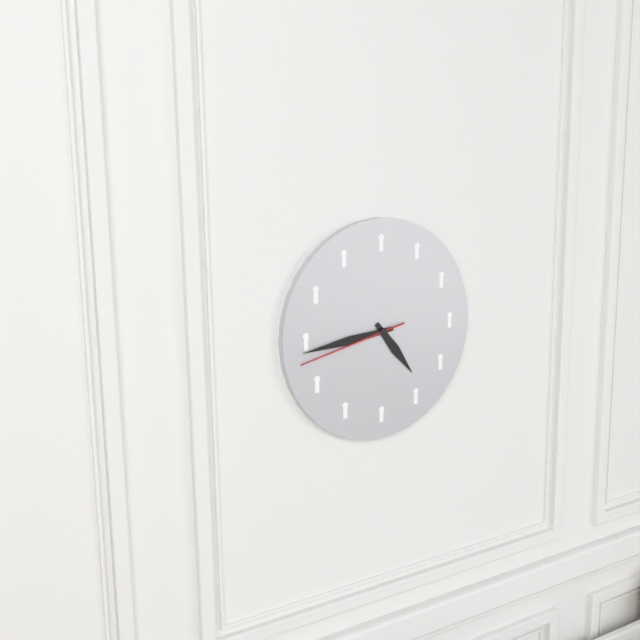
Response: 4:44:43
